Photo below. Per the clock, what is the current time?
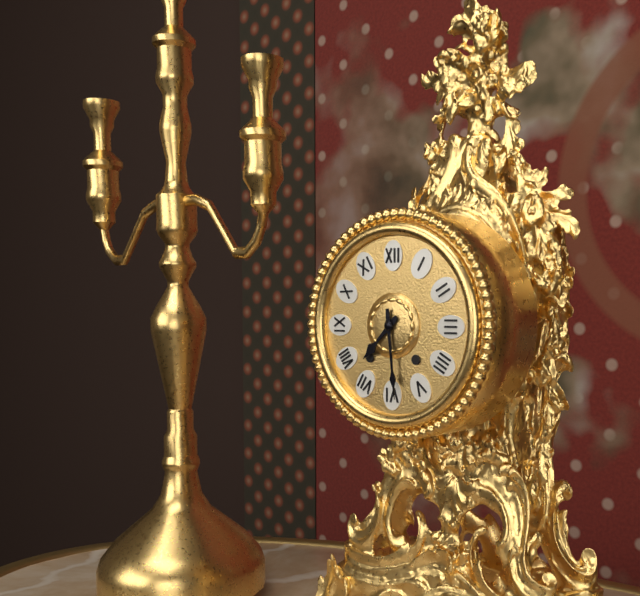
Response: 7:29
